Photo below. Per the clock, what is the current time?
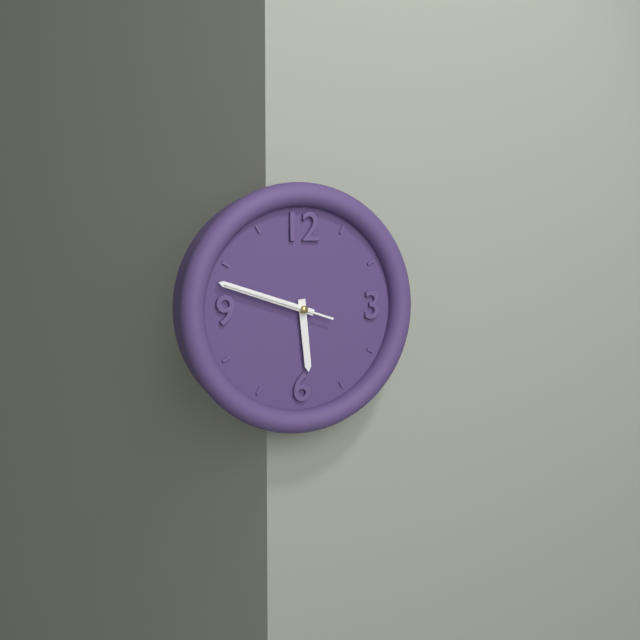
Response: 5:48:48
